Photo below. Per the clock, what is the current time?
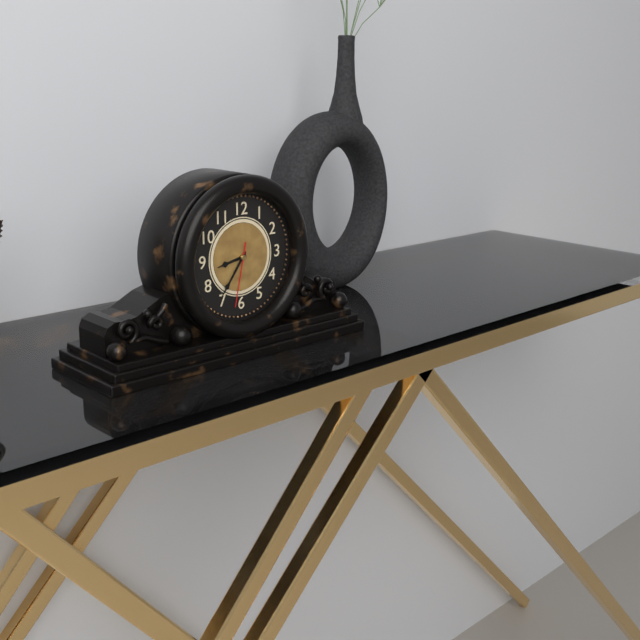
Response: 8:36:32
